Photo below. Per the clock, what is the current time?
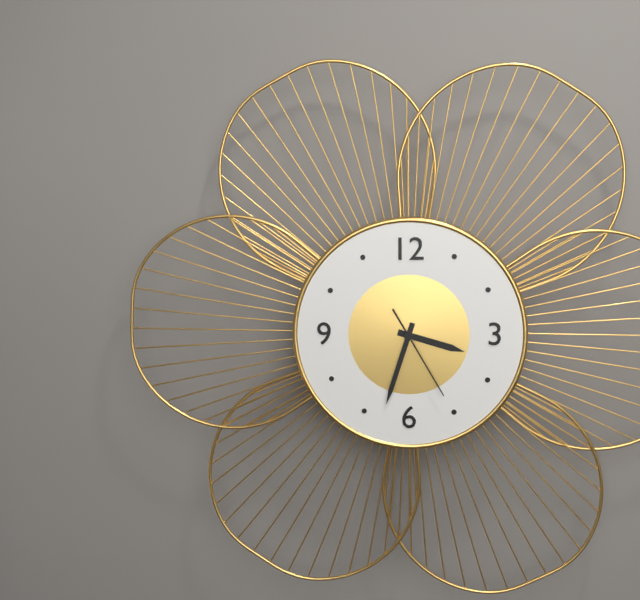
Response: 3:33:25
